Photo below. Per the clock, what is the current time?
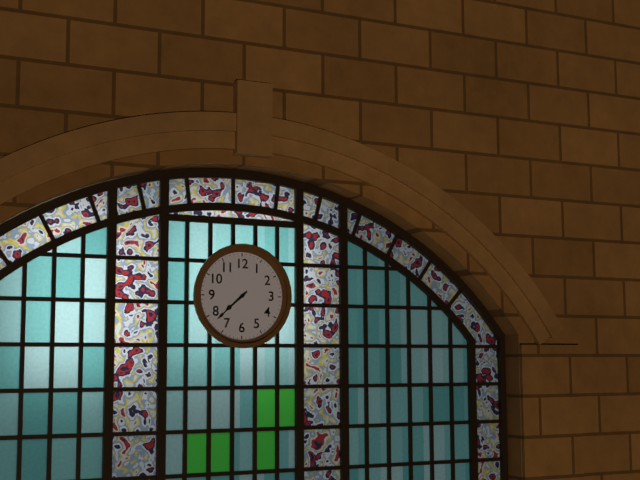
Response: 7:38
